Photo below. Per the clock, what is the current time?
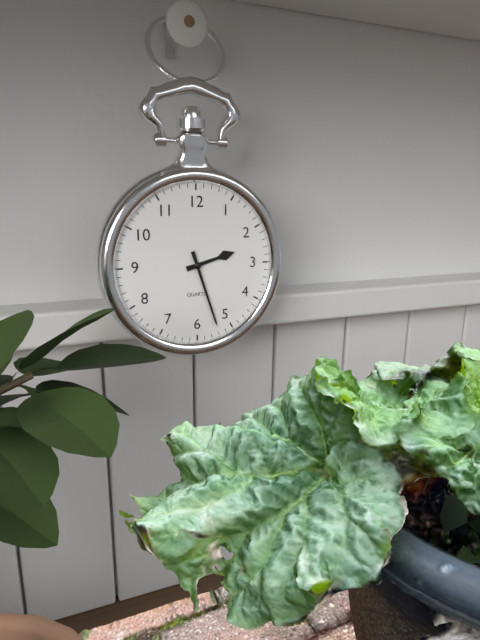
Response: 2:27
